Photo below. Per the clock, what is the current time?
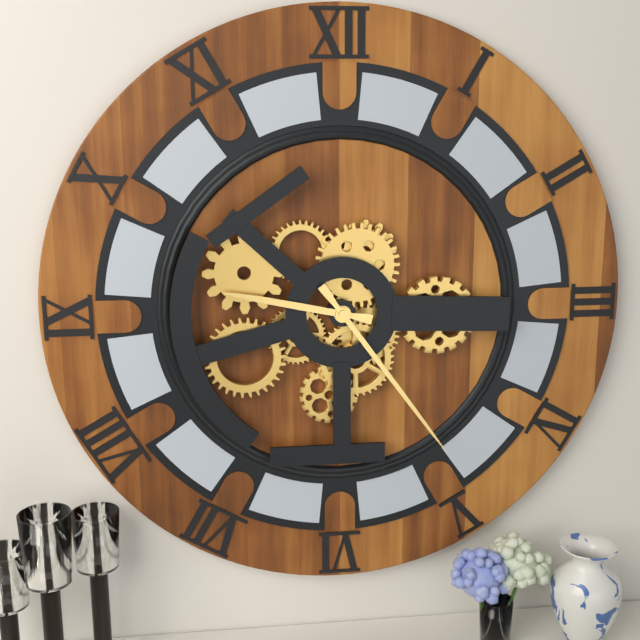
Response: 9:24
